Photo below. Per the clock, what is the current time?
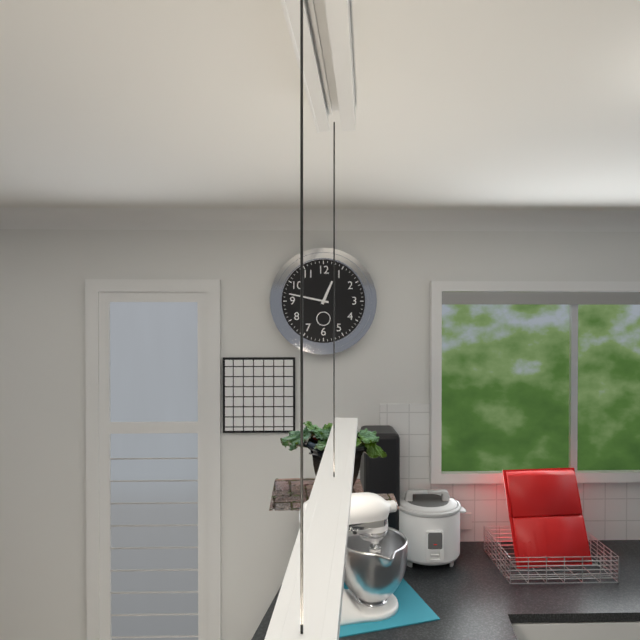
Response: 12:47
